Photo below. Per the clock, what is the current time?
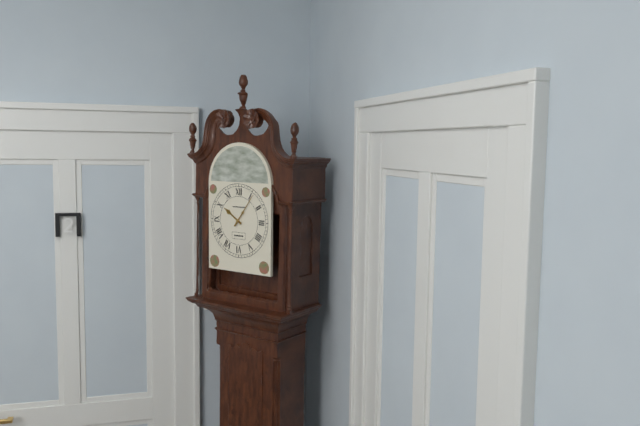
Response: 10:06
